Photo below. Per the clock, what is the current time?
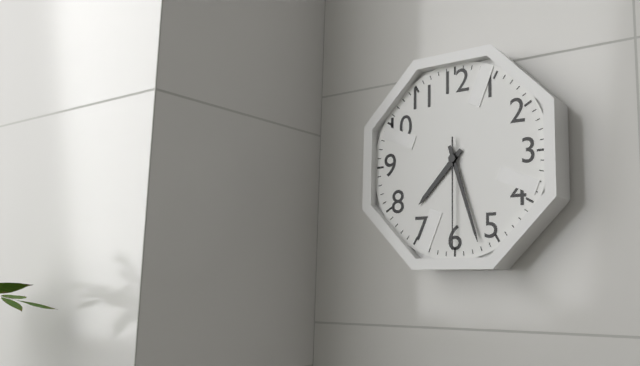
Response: 7:27:30
